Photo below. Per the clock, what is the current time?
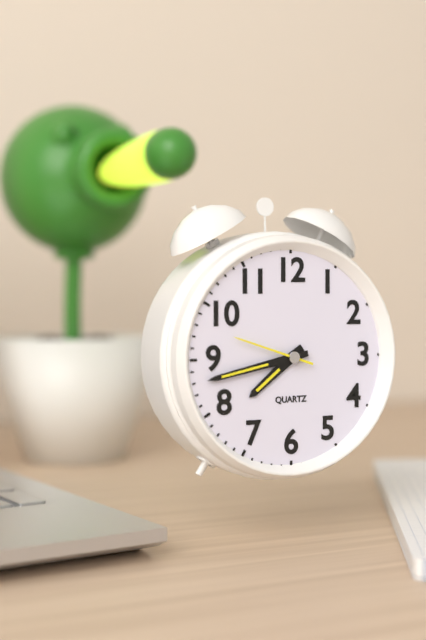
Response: 7:43:48
